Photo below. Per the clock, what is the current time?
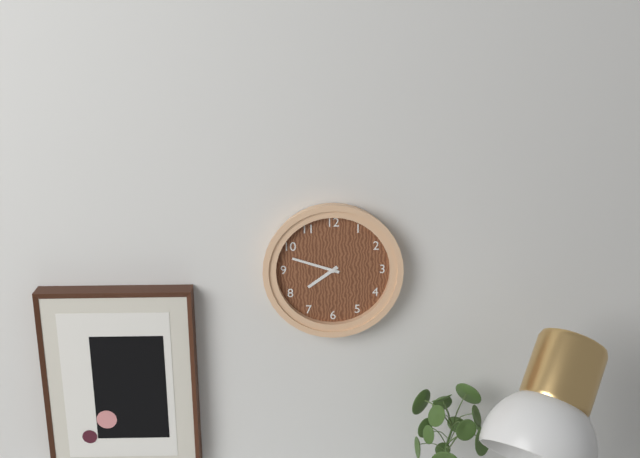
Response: 7:48
